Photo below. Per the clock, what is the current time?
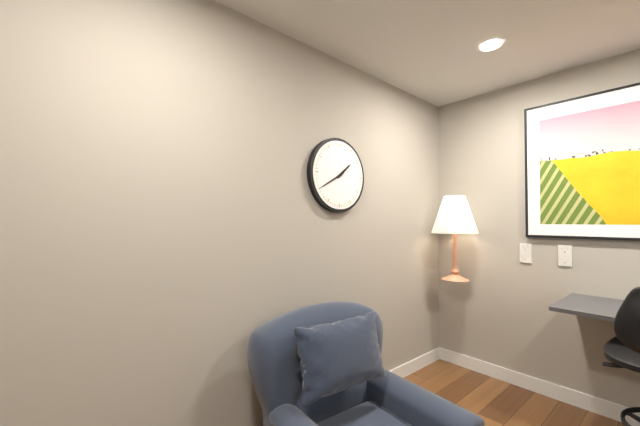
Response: 1:40
